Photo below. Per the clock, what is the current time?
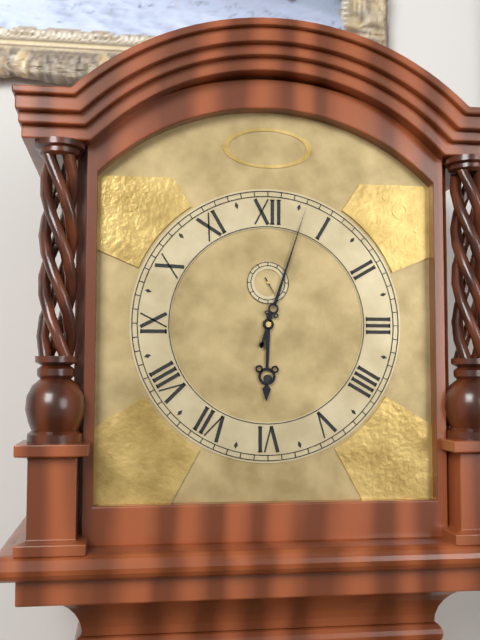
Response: 6:03
